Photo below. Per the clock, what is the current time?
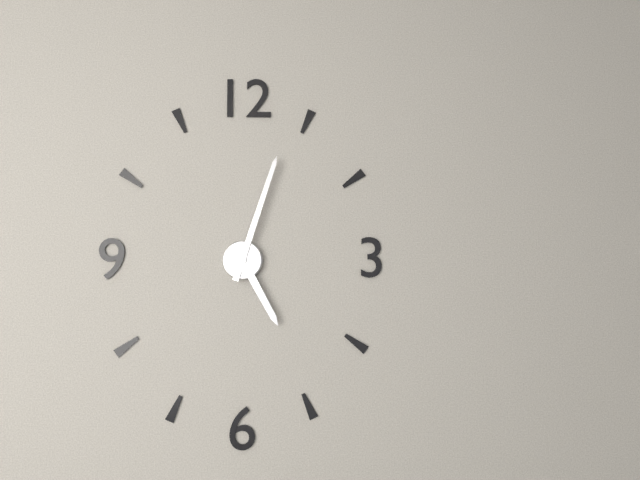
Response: 5:03
